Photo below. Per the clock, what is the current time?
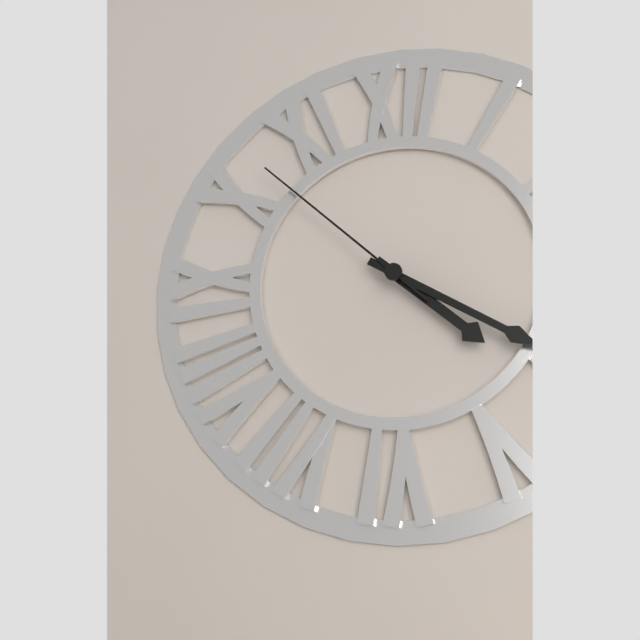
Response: 4:20:52
